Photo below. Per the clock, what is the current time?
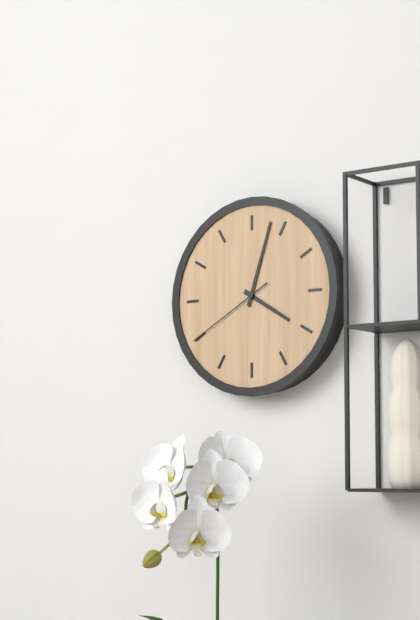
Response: 4:03:40
